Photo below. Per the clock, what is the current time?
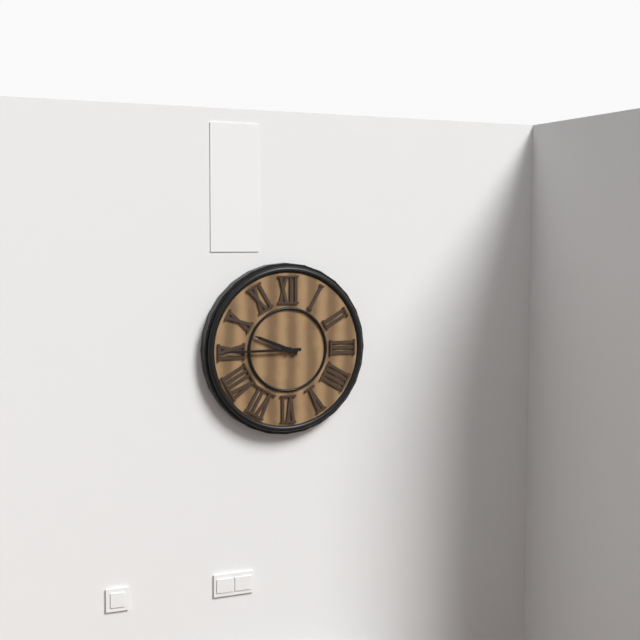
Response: 9:45
